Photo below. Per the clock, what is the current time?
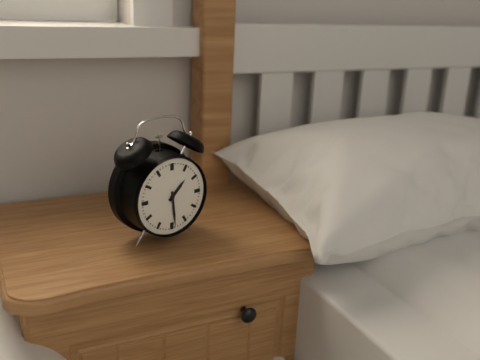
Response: 1:29
